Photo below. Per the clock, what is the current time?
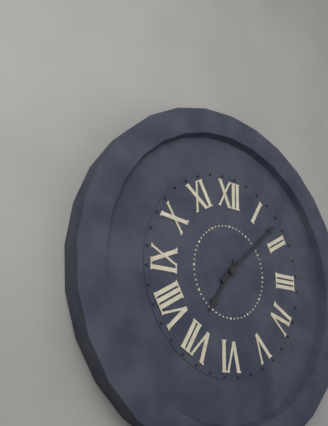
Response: 7:08
